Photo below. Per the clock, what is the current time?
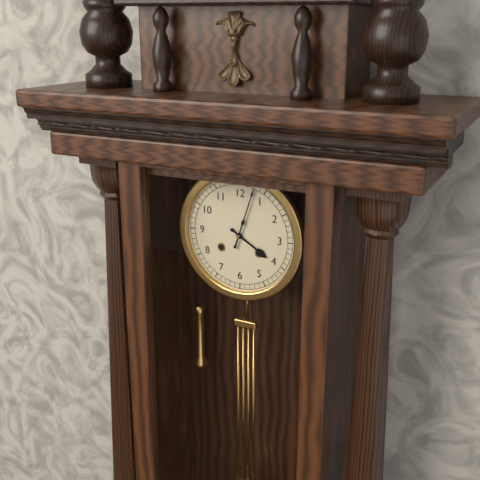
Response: 4:03
